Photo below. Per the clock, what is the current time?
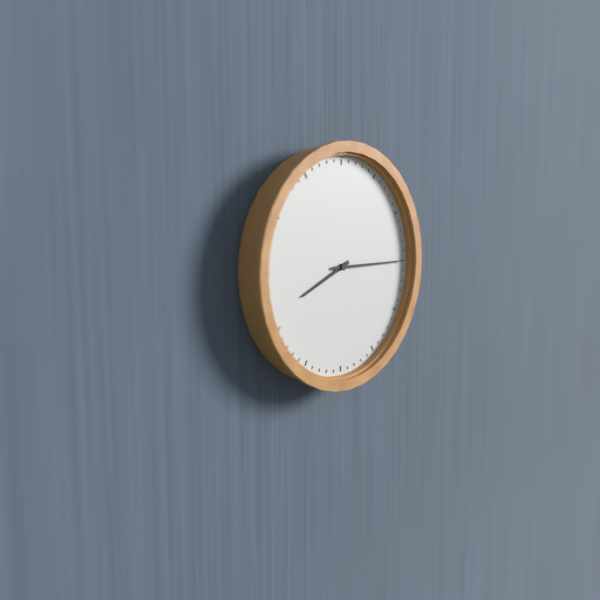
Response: 8:15
